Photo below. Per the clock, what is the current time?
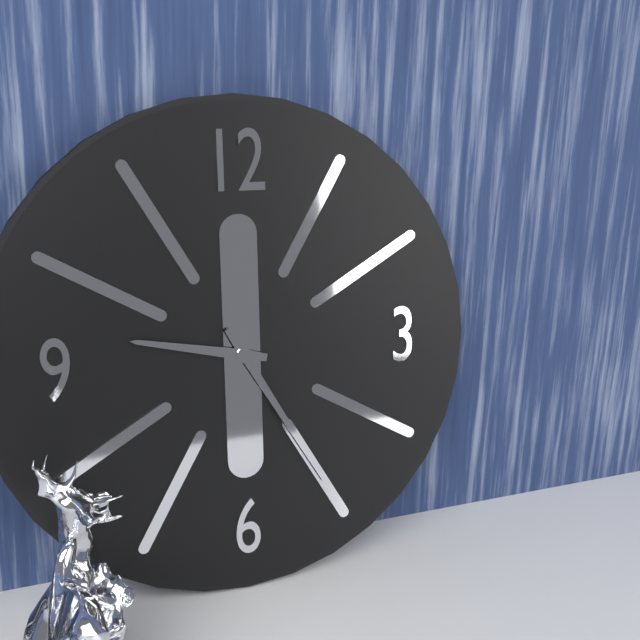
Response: 9:25
